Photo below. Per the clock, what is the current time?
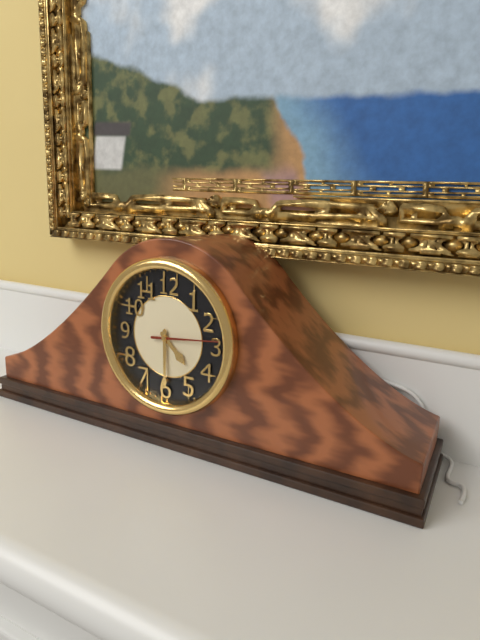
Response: 4:30:14
